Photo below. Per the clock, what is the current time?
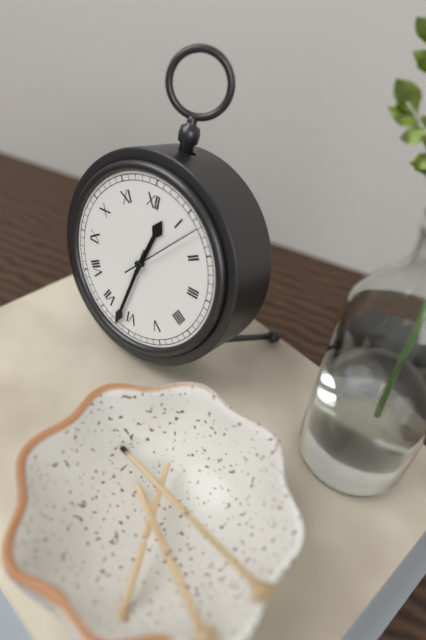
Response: 12:32:07
